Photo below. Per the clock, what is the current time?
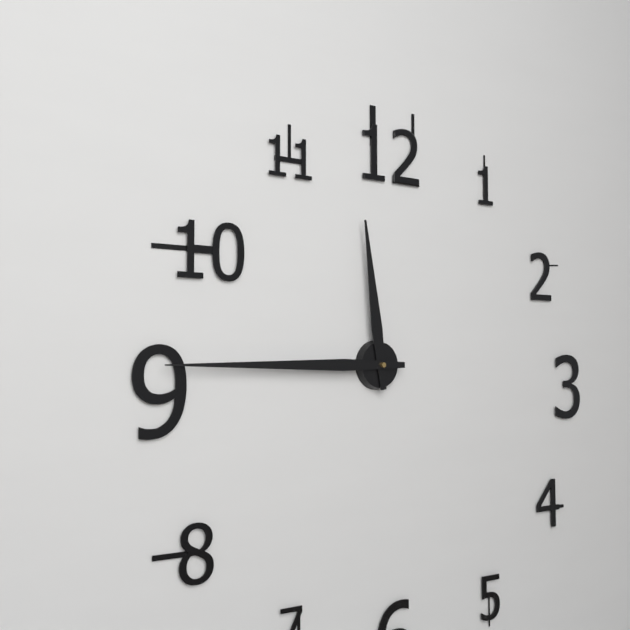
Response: 11:45
